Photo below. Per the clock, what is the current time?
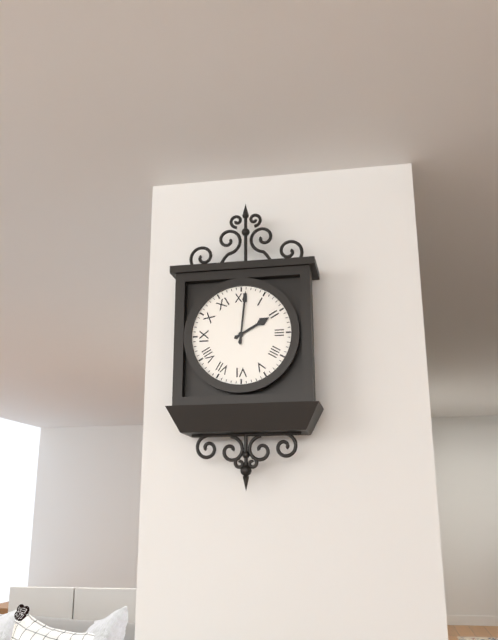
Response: 2:01
